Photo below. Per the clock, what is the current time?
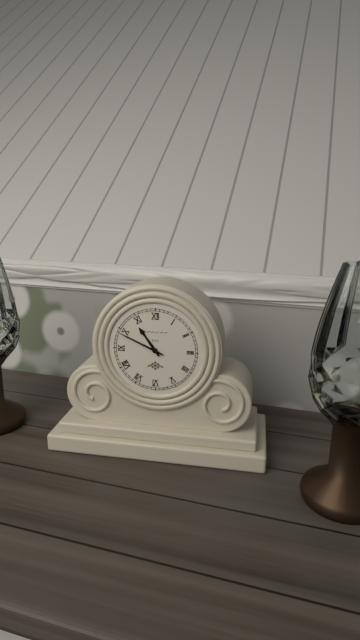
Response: 10:49
